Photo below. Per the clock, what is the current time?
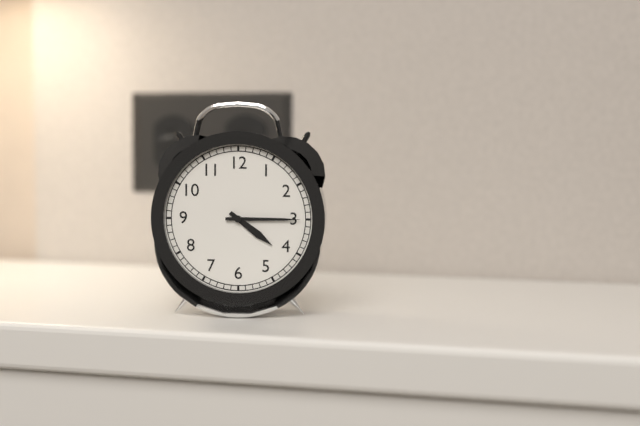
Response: 4:15
